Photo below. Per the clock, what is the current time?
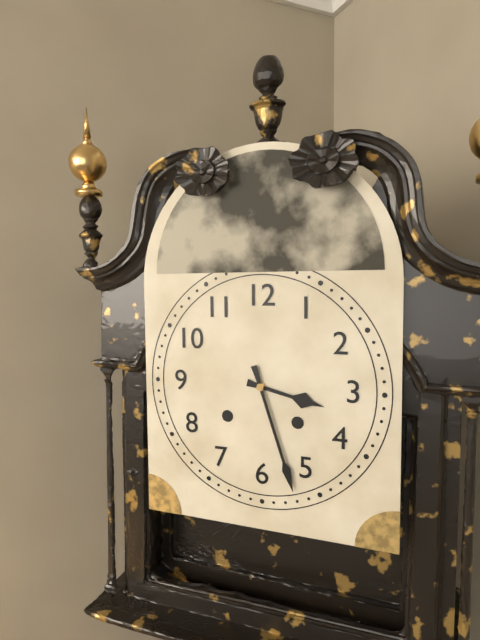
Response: 3:27
